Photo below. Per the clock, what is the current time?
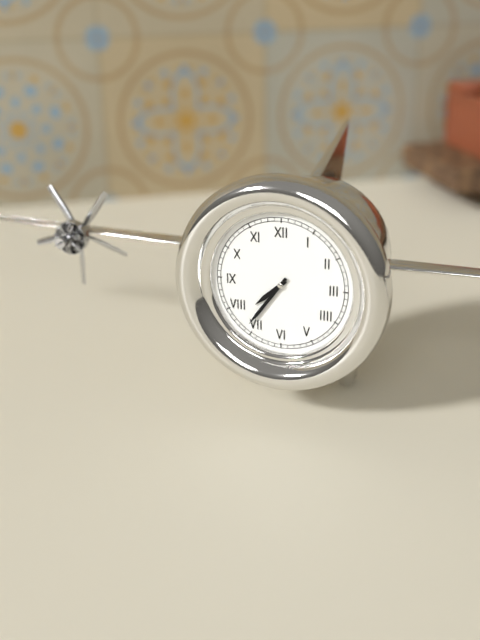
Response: 7:36
